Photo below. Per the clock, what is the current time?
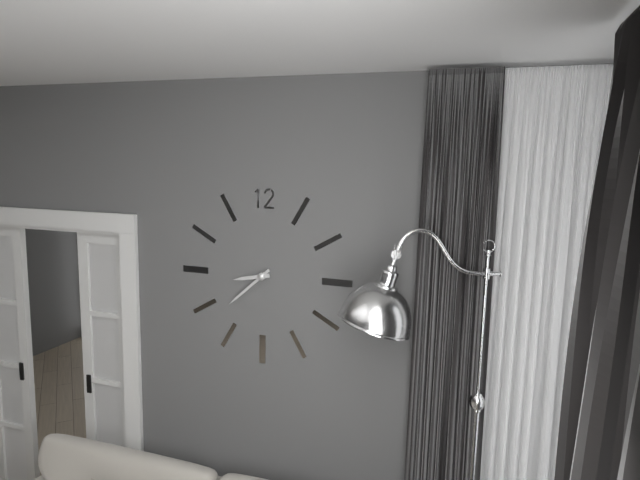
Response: 8:38
